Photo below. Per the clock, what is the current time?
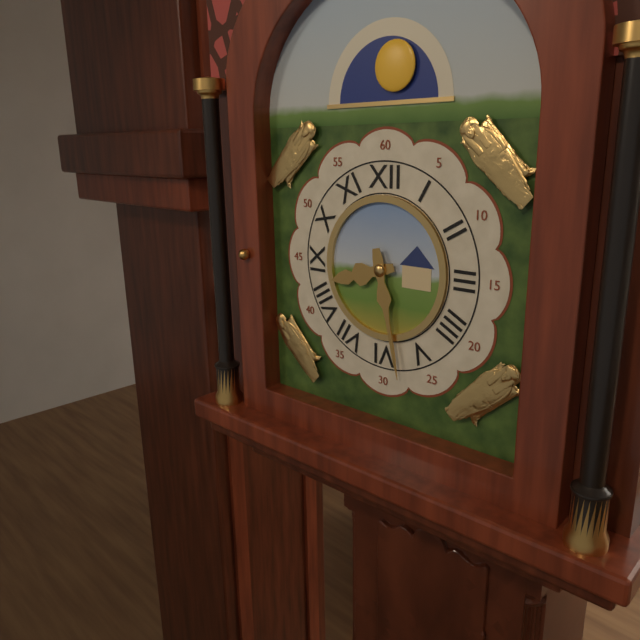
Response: 8:28
